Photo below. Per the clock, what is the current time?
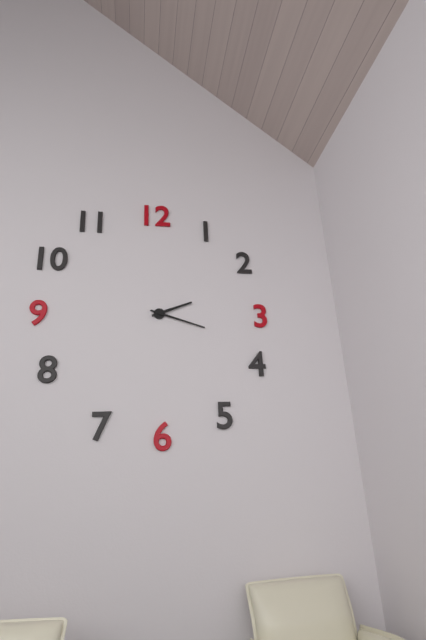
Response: 2:18
